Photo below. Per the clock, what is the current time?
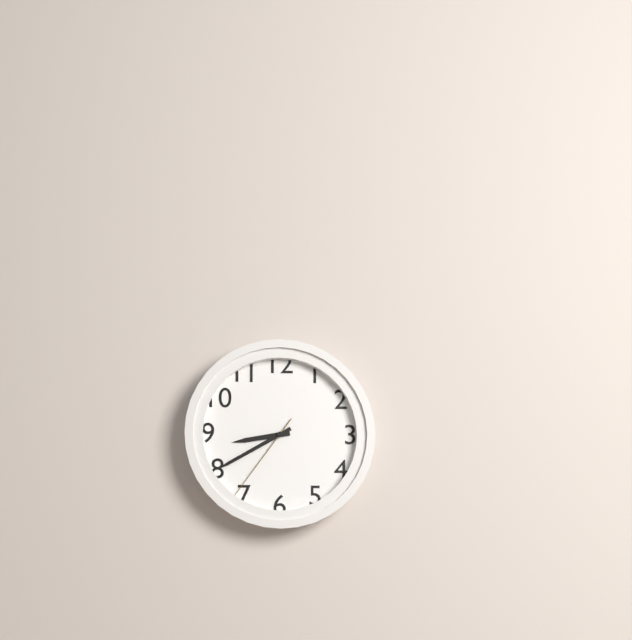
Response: 8:40:36
